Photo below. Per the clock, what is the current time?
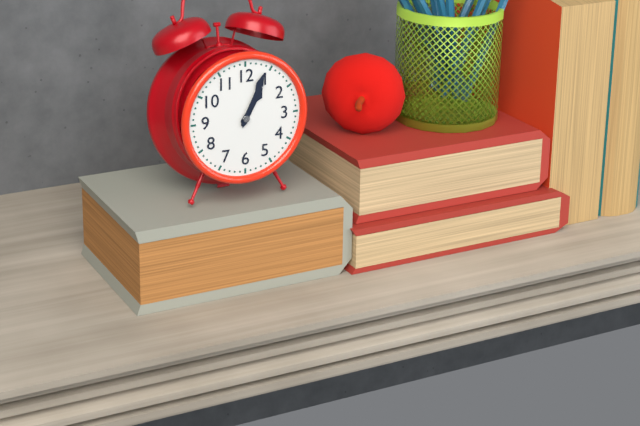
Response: 1:04
